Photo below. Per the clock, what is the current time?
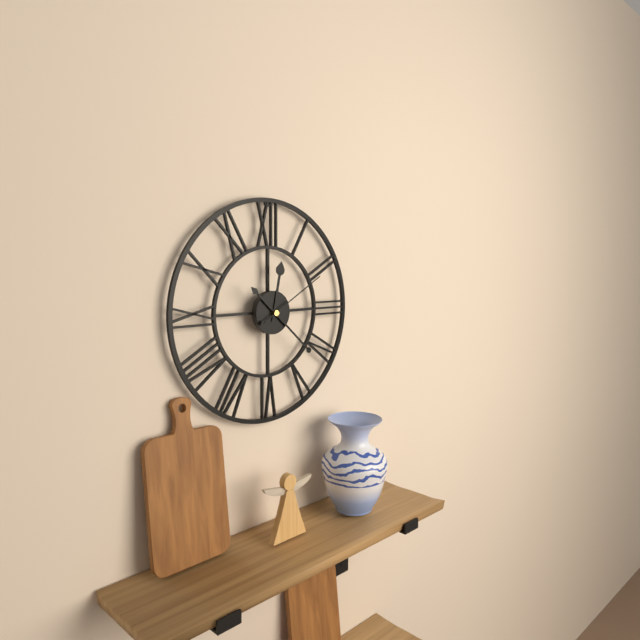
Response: 12:22:10
